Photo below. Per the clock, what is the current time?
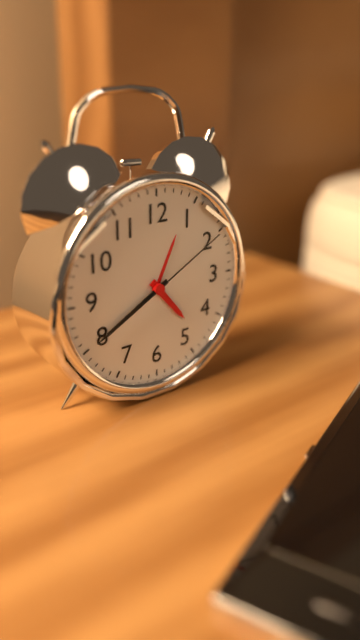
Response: 4:40:10
